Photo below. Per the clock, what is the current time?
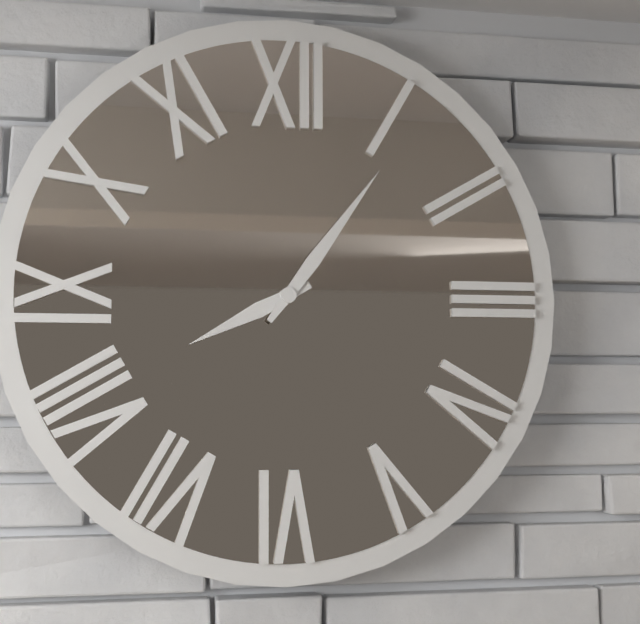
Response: 8:06
